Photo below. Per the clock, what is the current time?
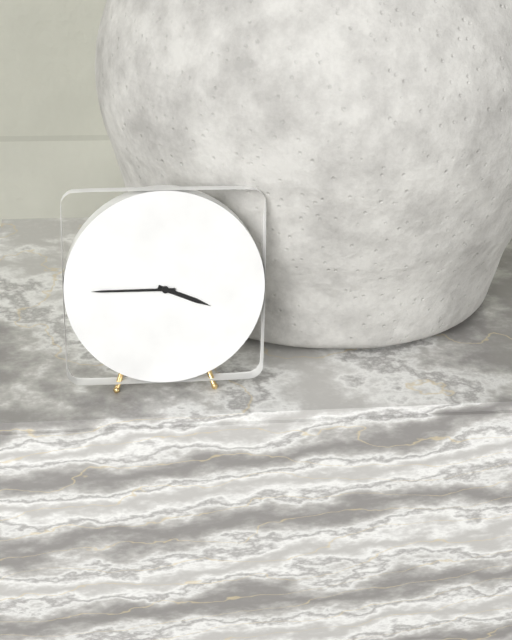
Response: 3:45
